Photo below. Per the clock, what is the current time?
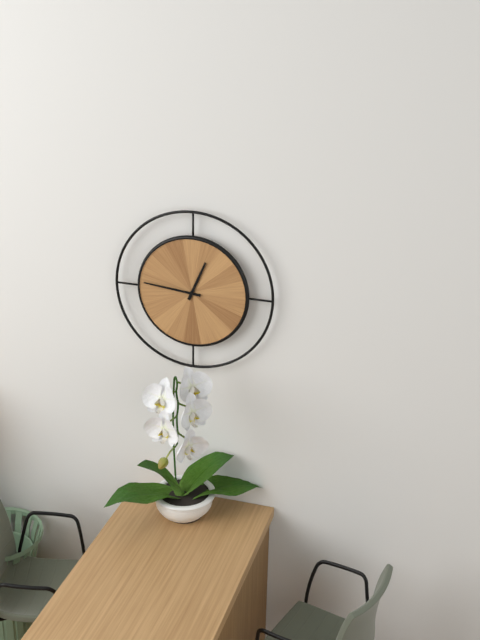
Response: 12:46
